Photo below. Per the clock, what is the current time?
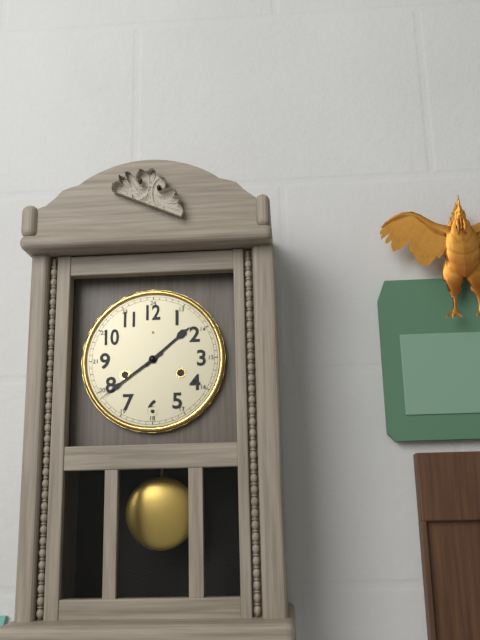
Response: 1:39
